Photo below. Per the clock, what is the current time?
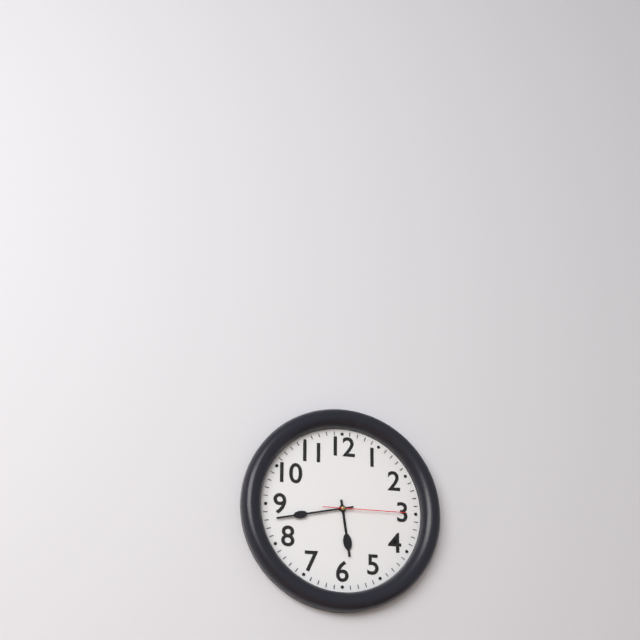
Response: 5:43:15
